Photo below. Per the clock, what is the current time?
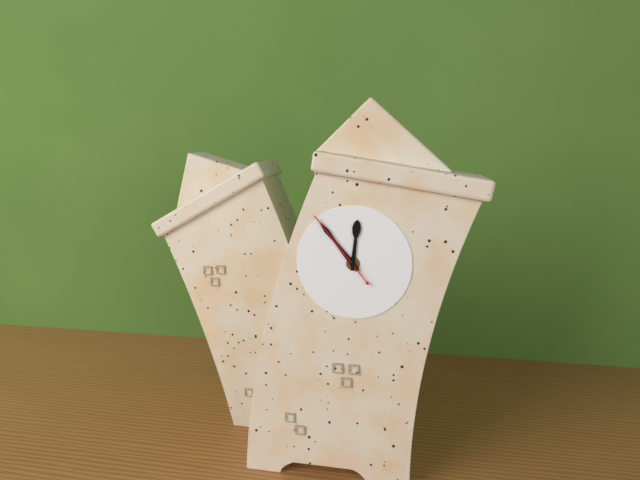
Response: 11:52:52
